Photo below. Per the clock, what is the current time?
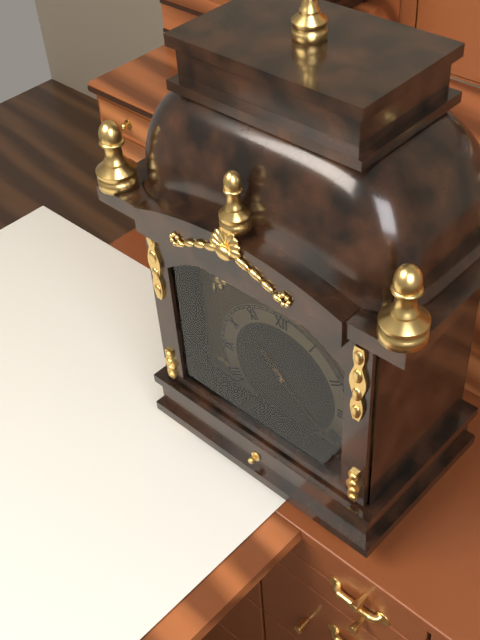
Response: 10:21
